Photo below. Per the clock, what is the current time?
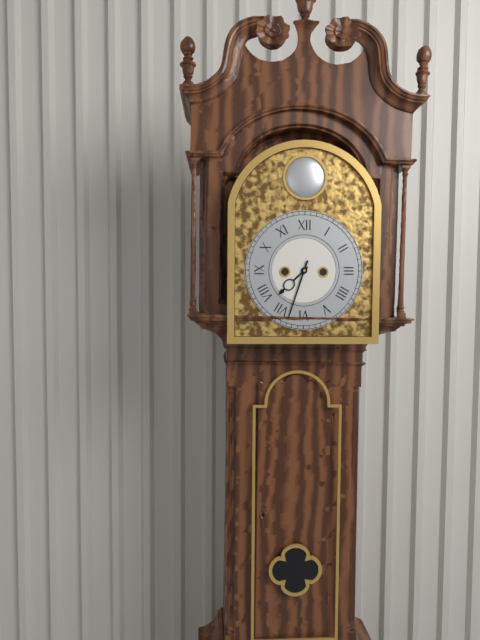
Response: 7:33
